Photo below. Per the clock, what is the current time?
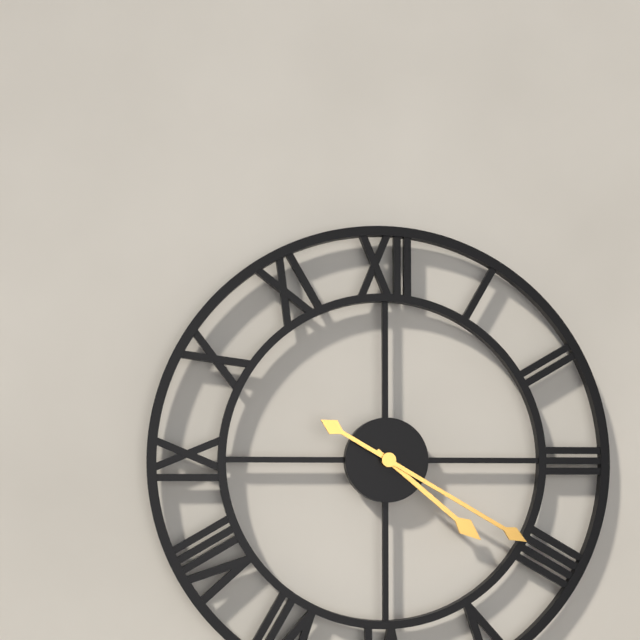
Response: 4:20
